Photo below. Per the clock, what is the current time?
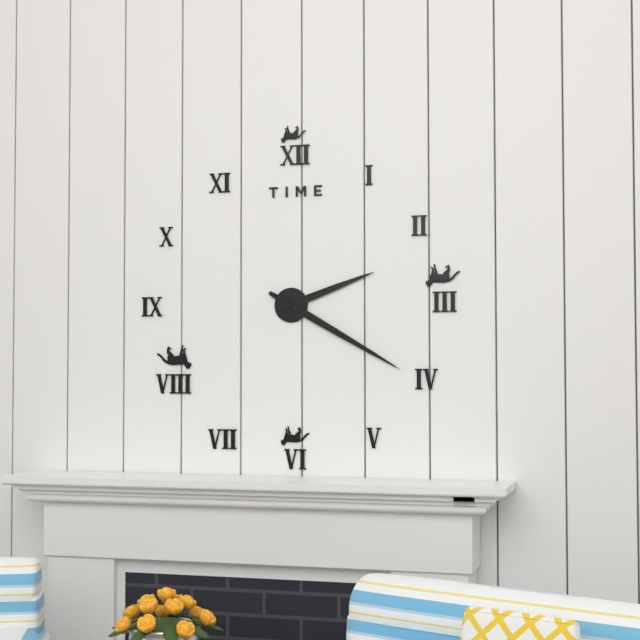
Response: 2:20
